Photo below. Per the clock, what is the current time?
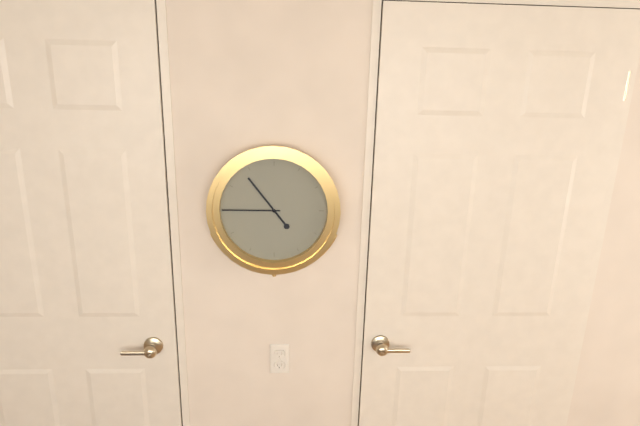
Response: 10:45
